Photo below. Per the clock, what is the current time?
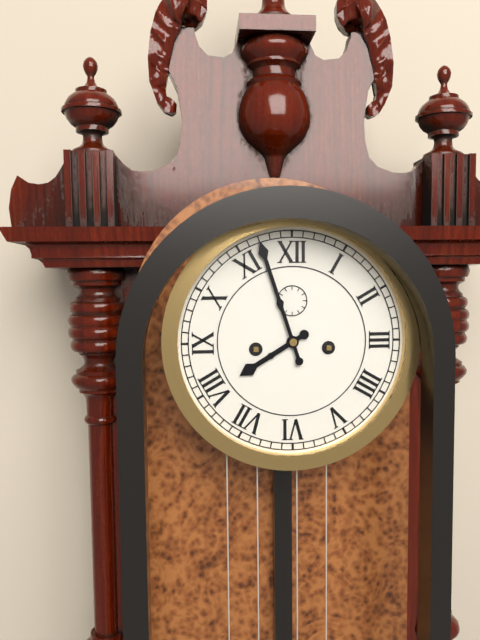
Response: 7:57
